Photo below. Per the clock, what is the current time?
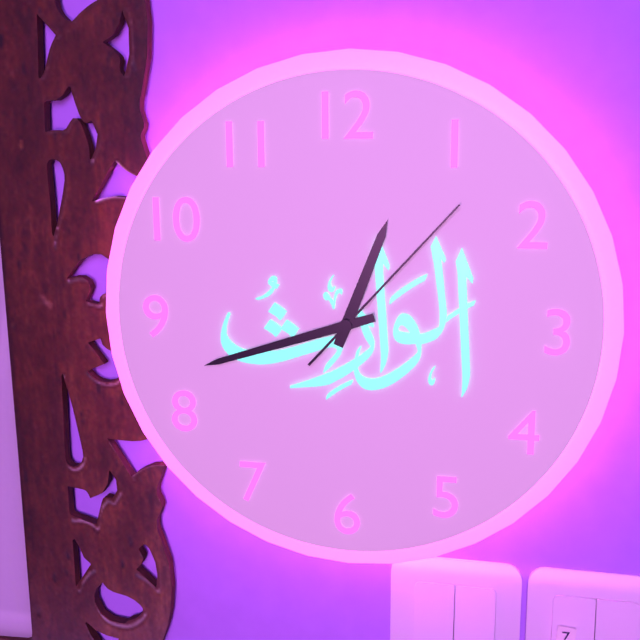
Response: 12:42:07
